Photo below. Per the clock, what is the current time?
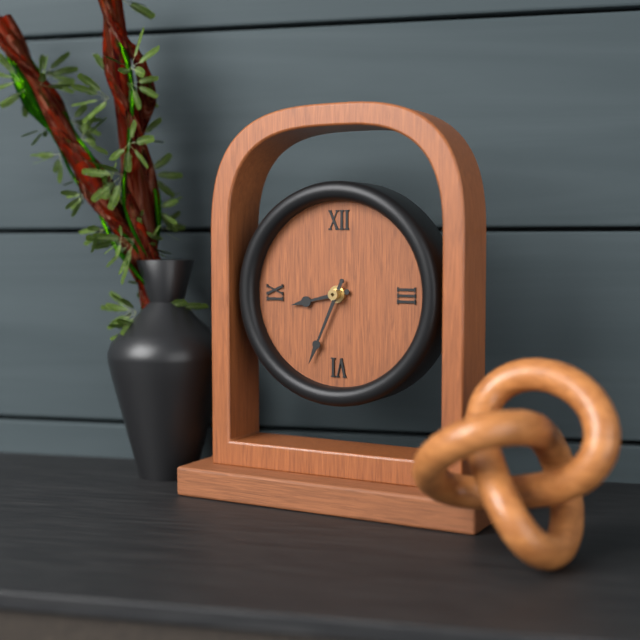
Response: 8:34
